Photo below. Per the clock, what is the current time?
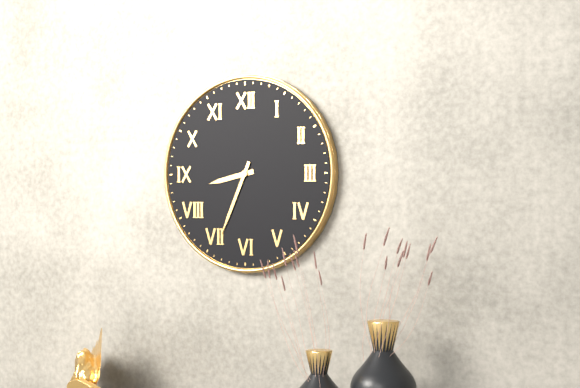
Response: 8:34
